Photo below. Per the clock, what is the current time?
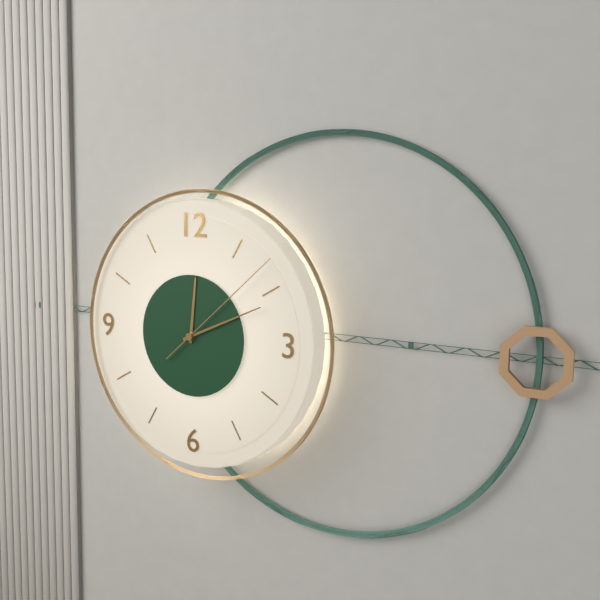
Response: 12:11:08
